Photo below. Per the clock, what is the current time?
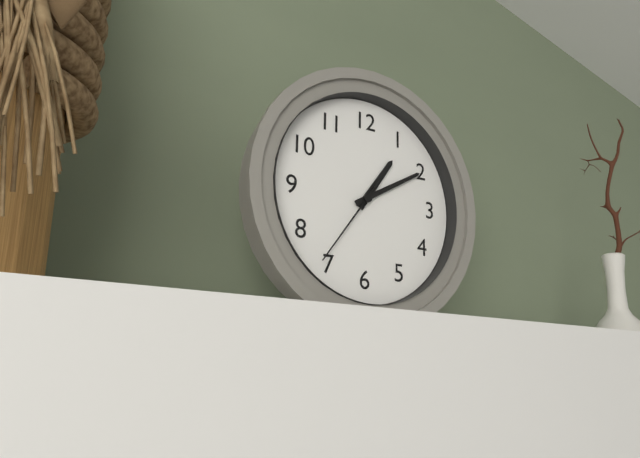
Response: 1:10:36
